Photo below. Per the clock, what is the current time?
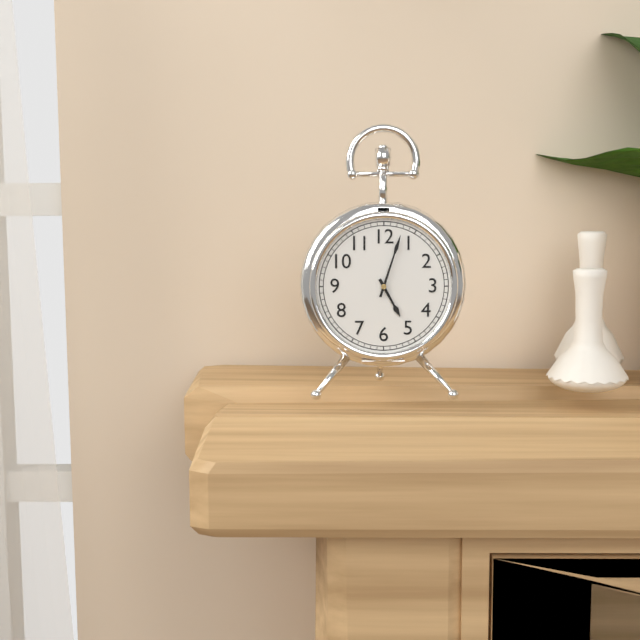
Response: 5:03
